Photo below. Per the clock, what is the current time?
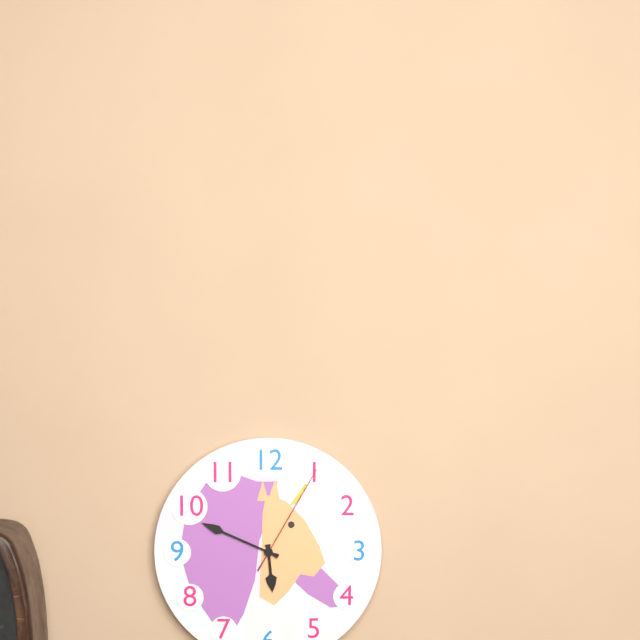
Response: 5:49:05
